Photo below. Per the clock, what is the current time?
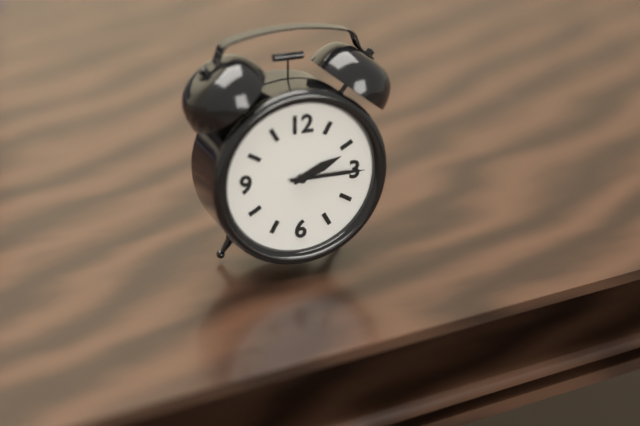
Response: 2:15
